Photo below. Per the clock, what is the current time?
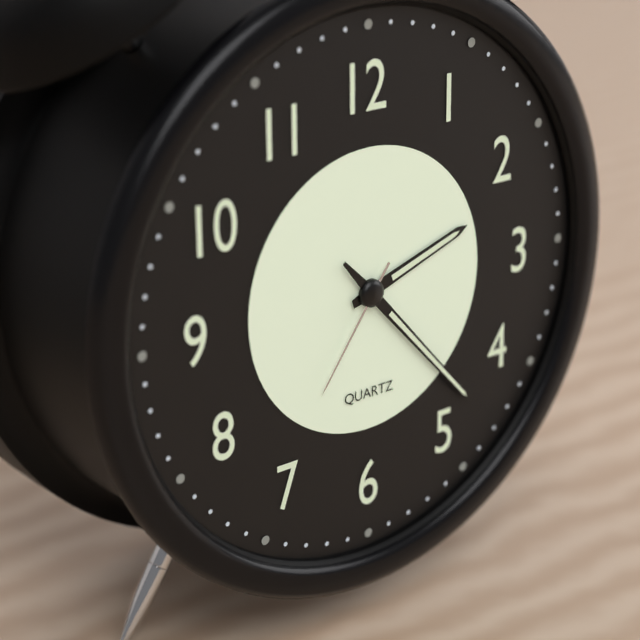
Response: 2:23:36
